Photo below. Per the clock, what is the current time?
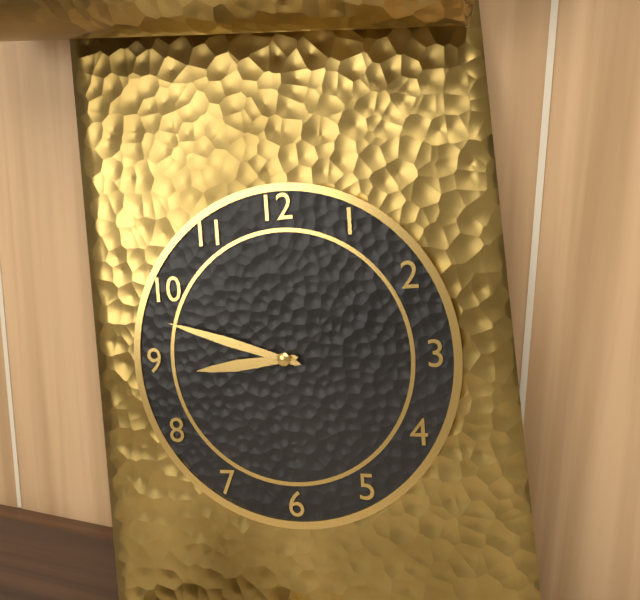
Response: 8:48
